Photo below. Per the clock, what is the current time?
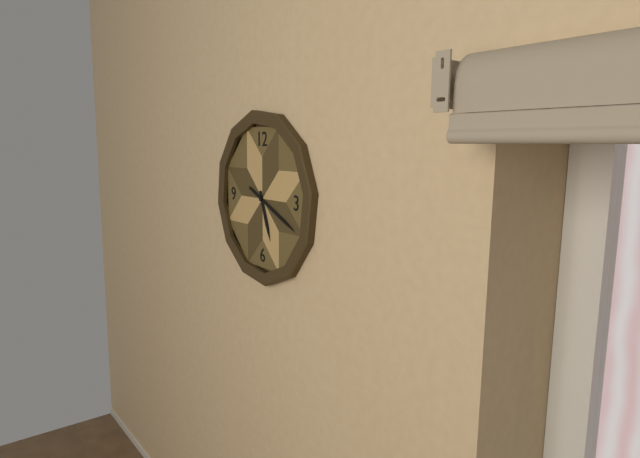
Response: 5:19
